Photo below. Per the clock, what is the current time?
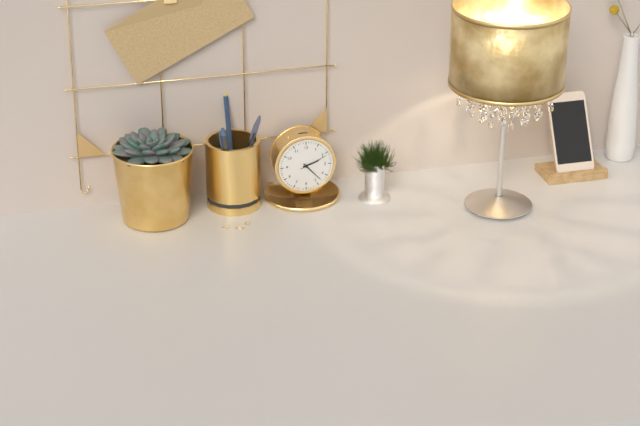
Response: 2:23
